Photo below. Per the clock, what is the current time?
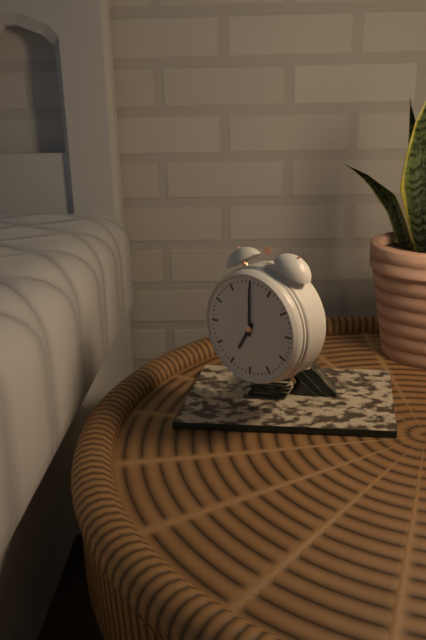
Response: 7:00
